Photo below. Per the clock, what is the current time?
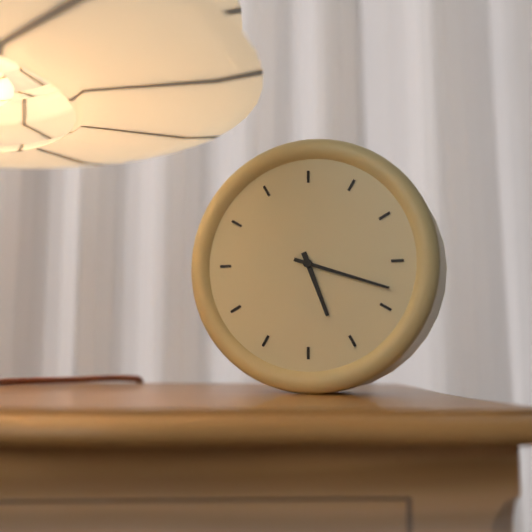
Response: 5:18
